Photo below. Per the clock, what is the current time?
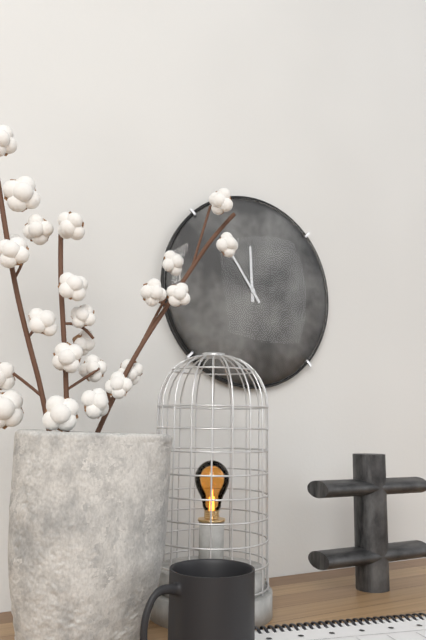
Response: 11:54
